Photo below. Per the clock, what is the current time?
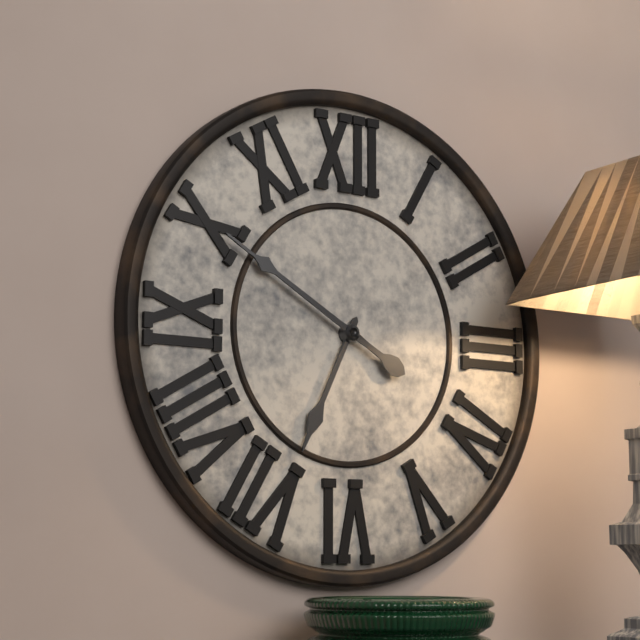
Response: 6:50
